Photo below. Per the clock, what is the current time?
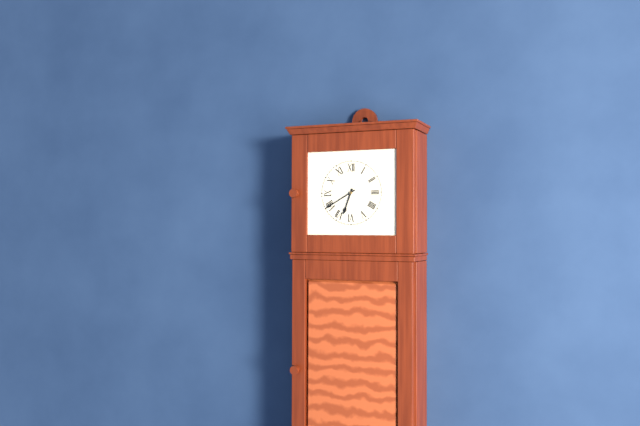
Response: 6:40
